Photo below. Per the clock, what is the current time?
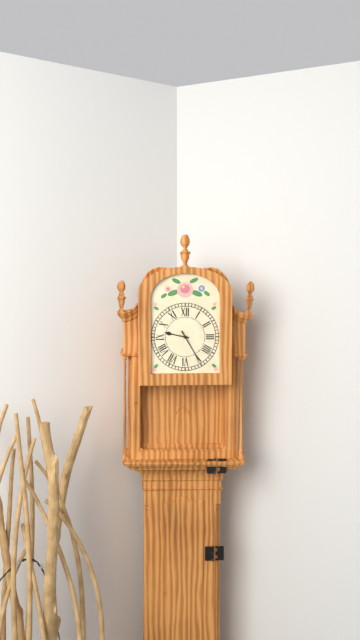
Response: 9:25
